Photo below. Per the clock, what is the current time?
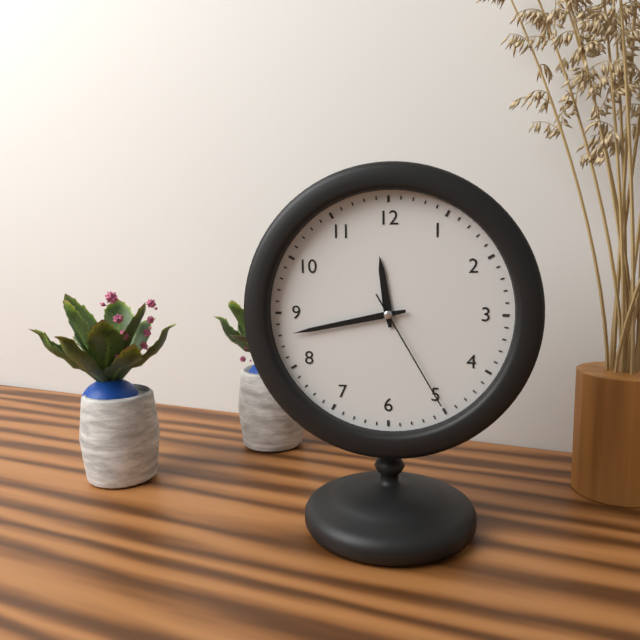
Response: 11:43:25
